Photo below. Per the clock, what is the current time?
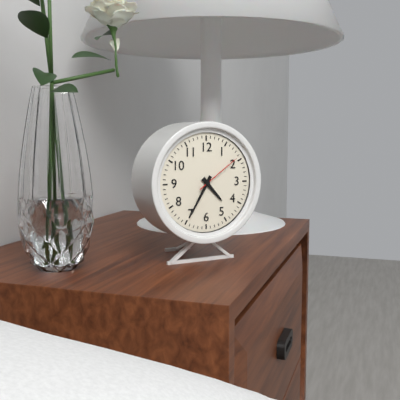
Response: 4:35
